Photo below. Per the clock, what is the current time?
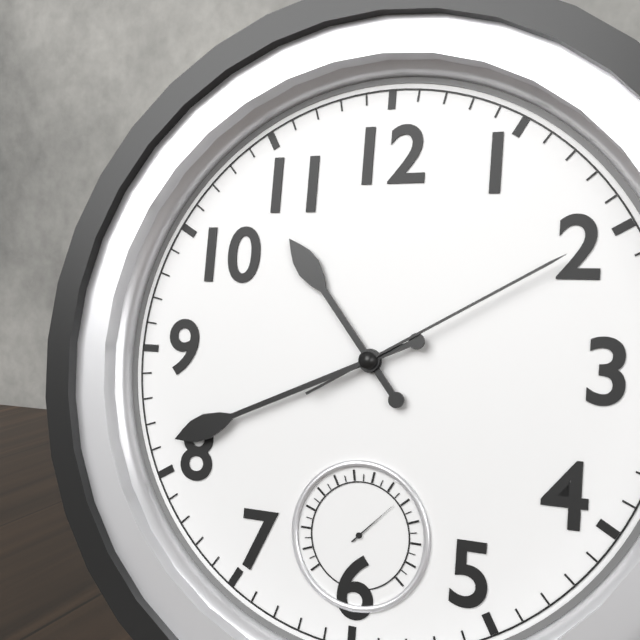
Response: 10:41:10
